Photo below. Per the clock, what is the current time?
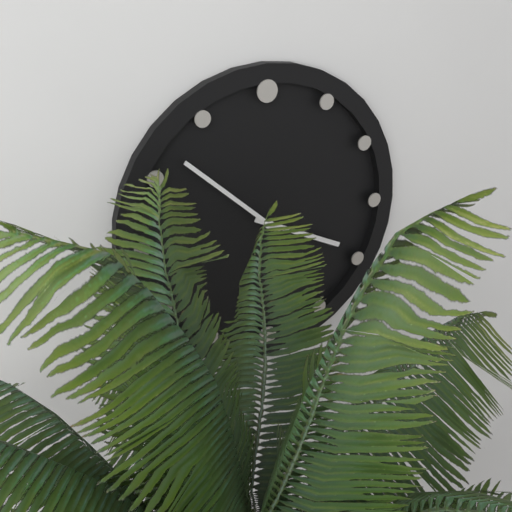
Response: 3:52
